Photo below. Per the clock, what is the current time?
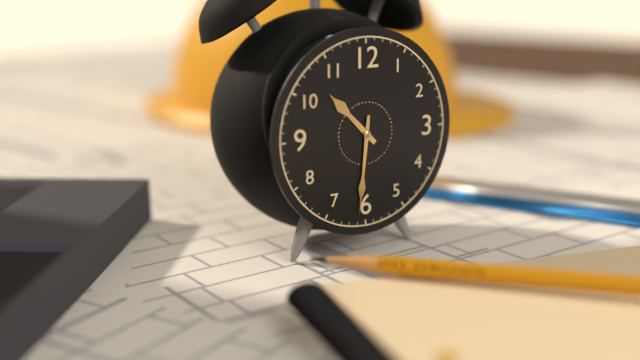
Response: 10:31
